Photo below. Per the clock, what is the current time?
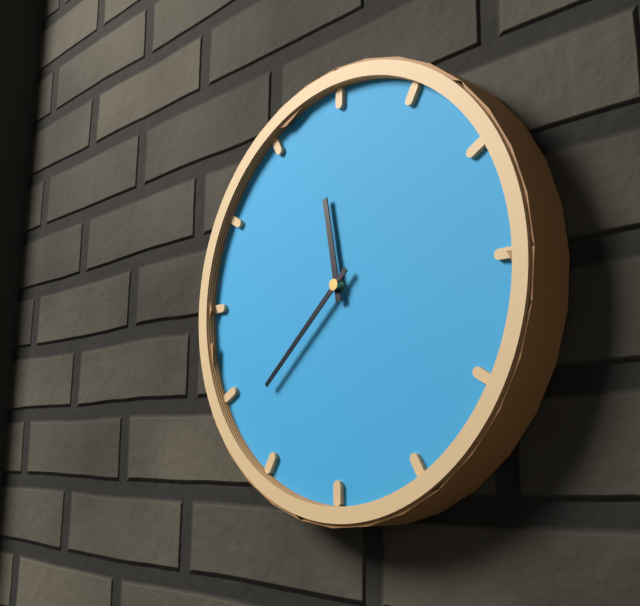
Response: 11:38
